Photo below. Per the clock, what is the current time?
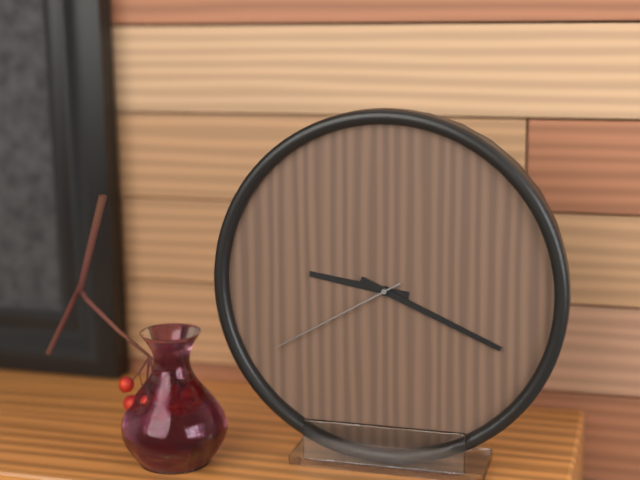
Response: 9:19:40
